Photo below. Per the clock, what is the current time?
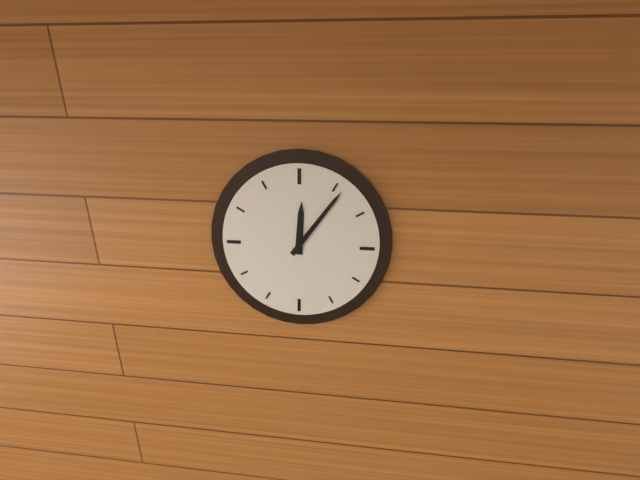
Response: 12:06
